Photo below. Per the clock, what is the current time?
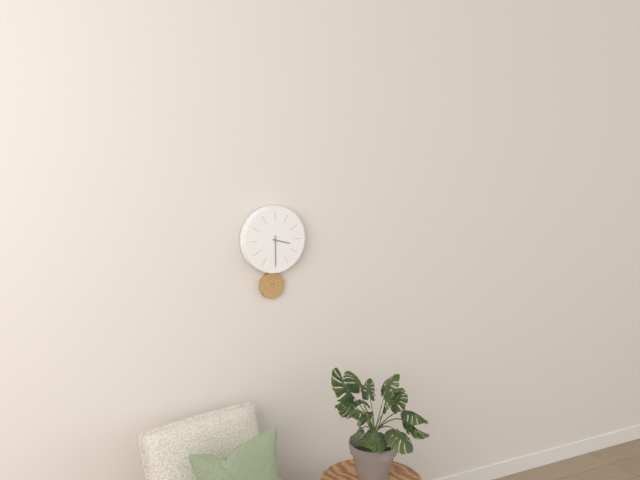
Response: 3:30
